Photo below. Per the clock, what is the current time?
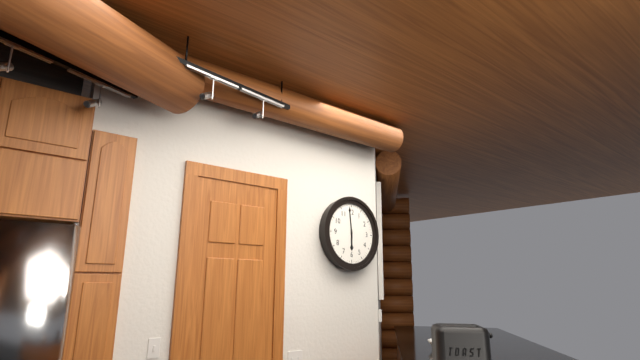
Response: 5:59
